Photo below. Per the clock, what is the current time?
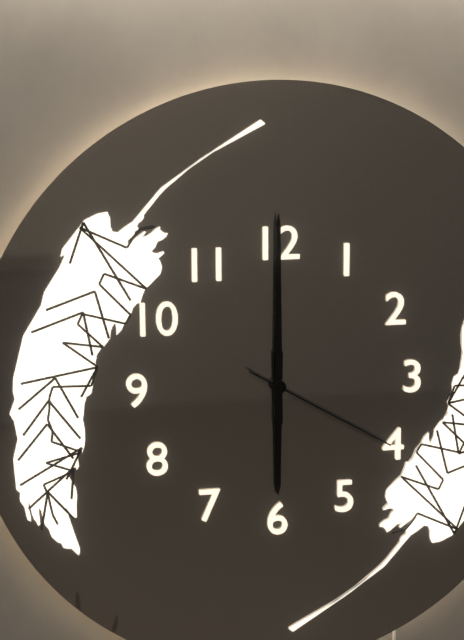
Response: 6:00:20
